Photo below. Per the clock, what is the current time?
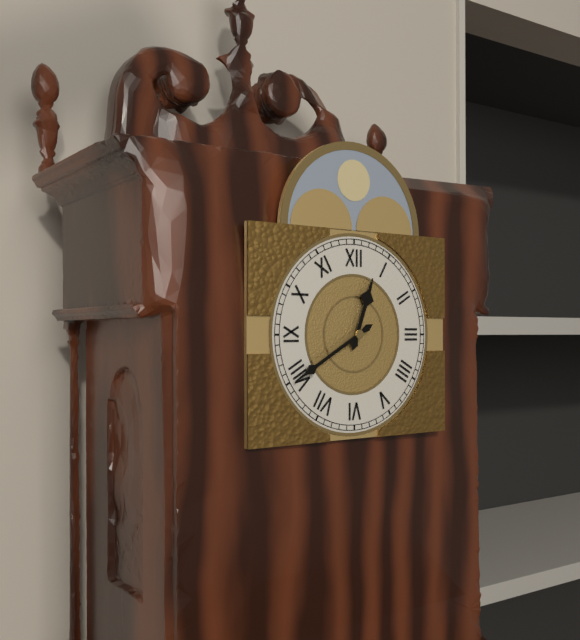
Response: 12:40
